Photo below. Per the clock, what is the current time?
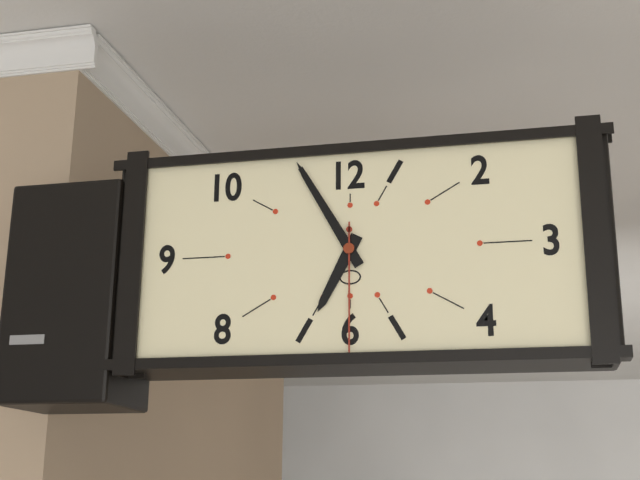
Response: 6:55:30
